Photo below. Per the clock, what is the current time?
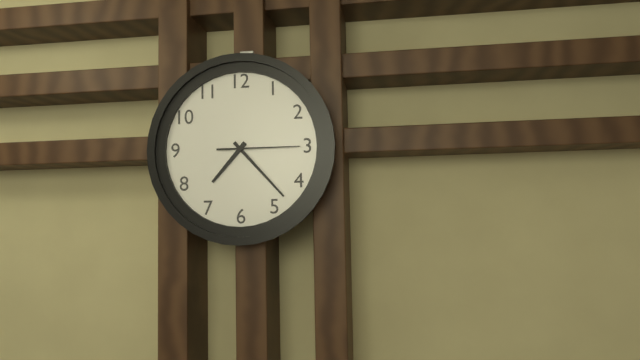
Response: 7:23:15
